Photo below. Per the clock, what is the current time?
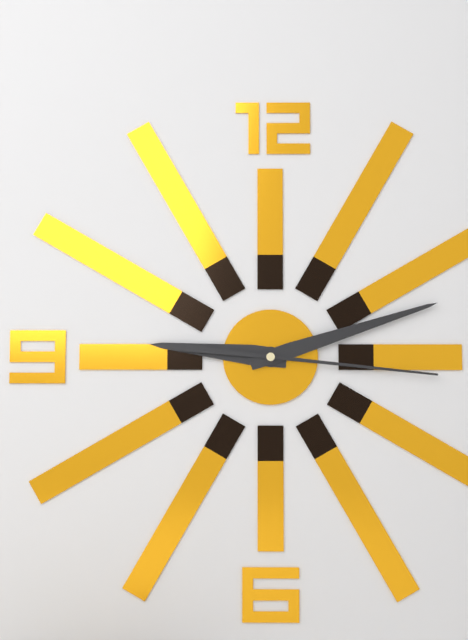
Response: 9:12:16
